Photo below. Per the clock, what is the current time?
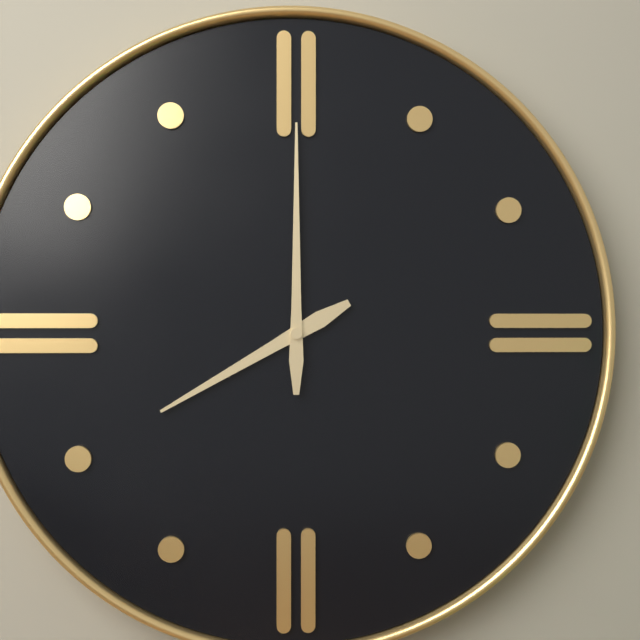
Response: 8:00
